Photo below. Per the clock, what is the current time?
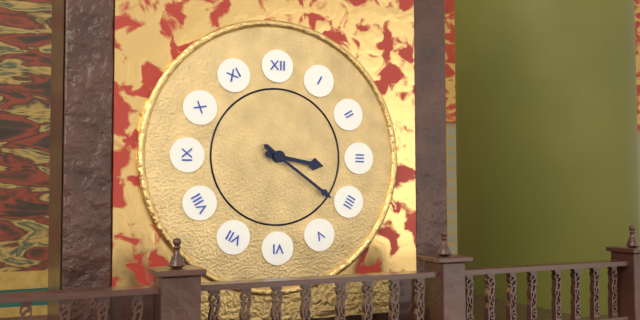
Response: 3:21
